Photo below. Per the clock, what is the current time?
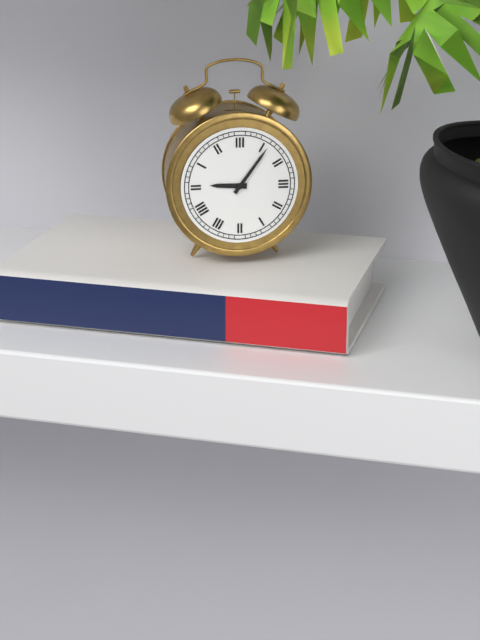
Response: 9:06
